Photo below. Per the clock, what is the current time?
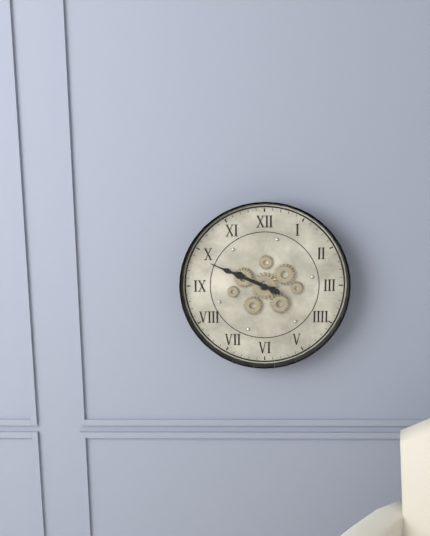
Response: 9:49
